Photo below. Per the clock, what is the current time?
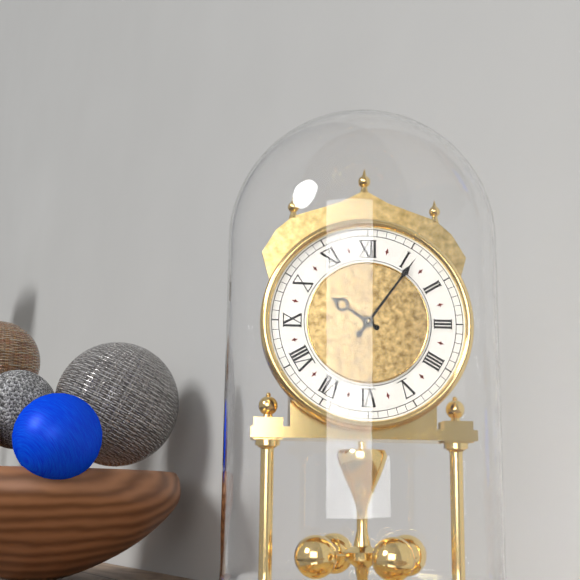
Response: 10:06
